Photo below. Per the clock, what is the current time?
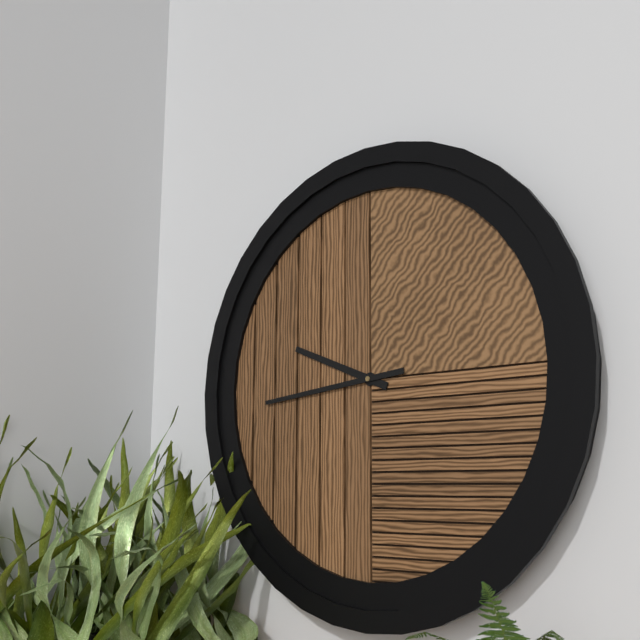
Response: 9:44
